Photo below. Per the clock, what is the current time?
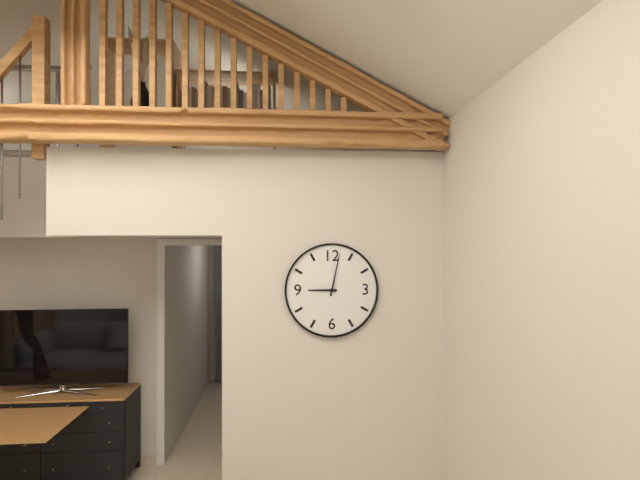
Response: 9:02
